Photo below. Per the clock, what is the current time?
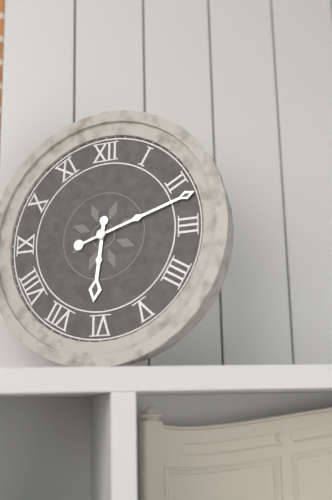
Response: 6:12
